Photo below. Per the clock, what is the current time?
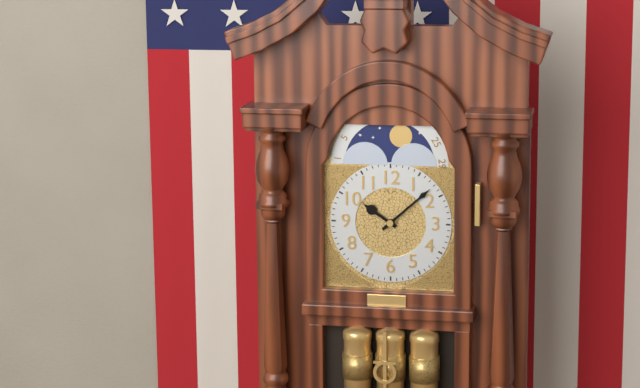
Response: 10:08
